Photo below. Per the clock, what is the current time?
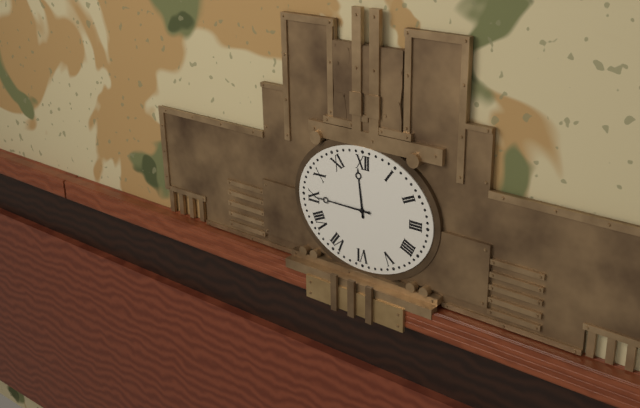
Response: 11:45
